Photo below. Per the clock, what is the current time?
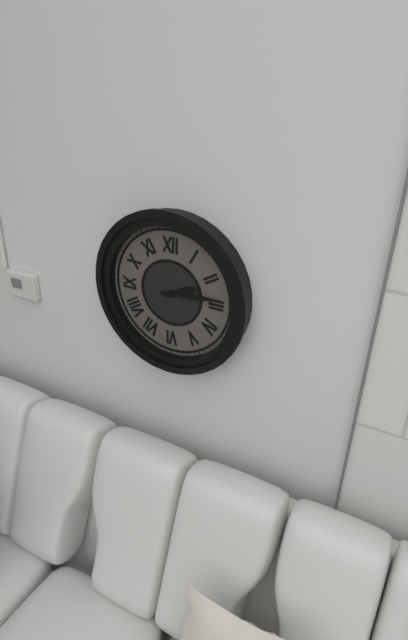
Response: 2:14
